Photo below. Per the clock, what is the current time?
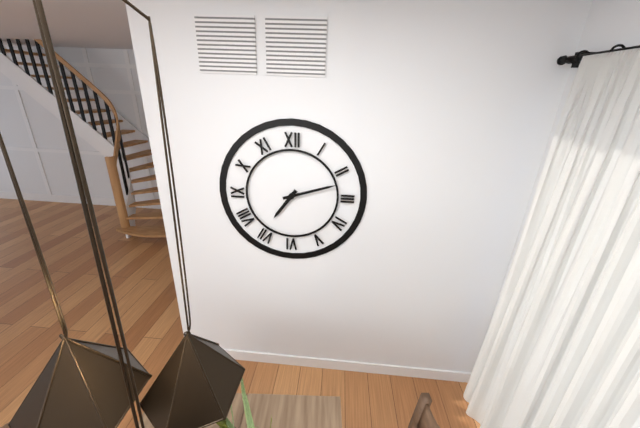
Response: 7:12
